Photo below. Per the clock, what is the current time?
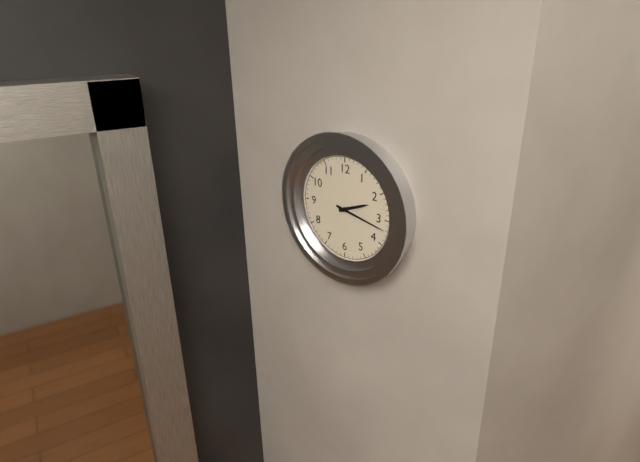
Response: 2:17
